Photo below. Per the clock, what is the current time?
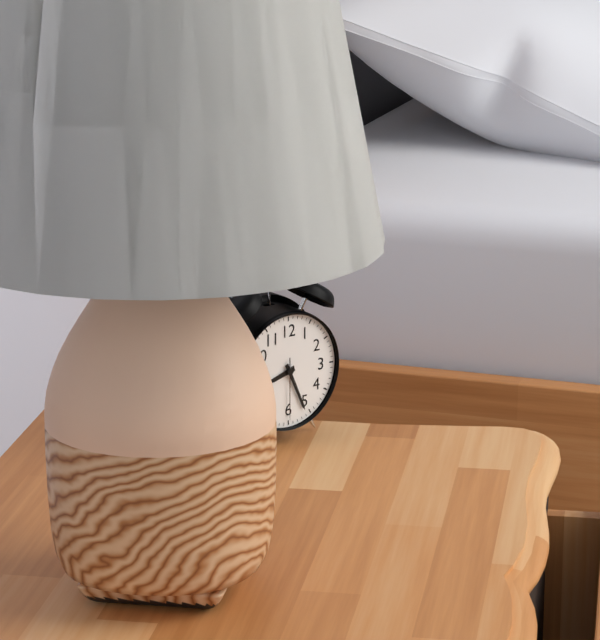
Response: 8:26:30
